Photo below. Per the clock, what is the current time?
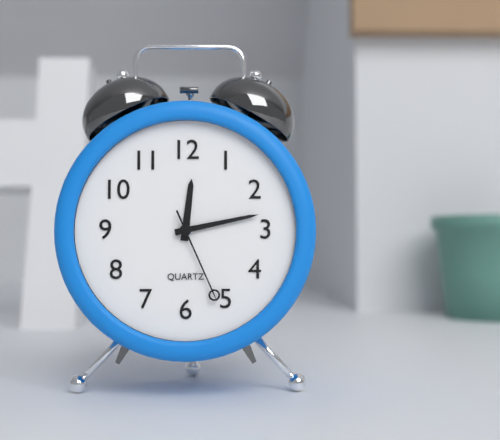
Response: 12:13:26
